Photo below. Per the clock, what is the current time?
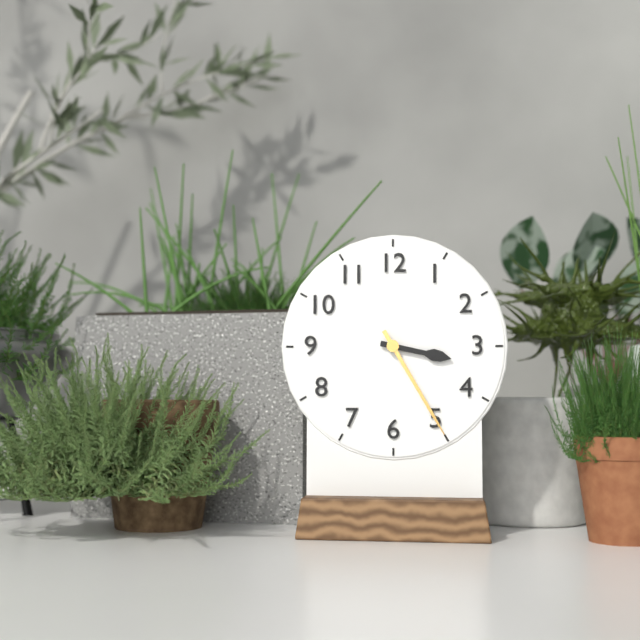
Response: 3:25
